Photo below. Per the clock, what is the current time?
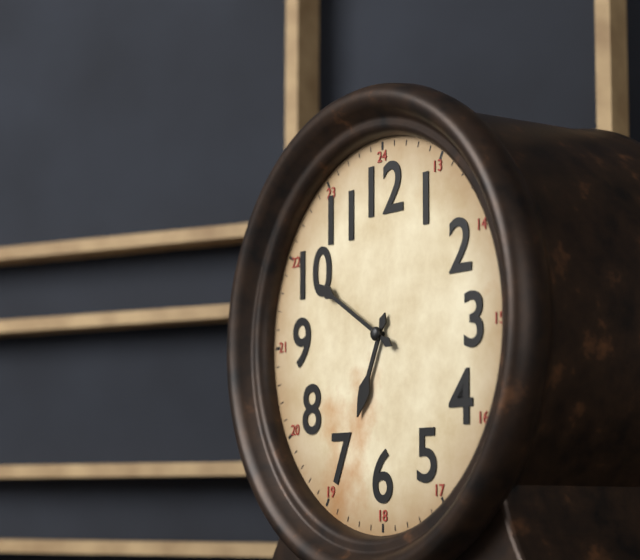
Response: 6:50
